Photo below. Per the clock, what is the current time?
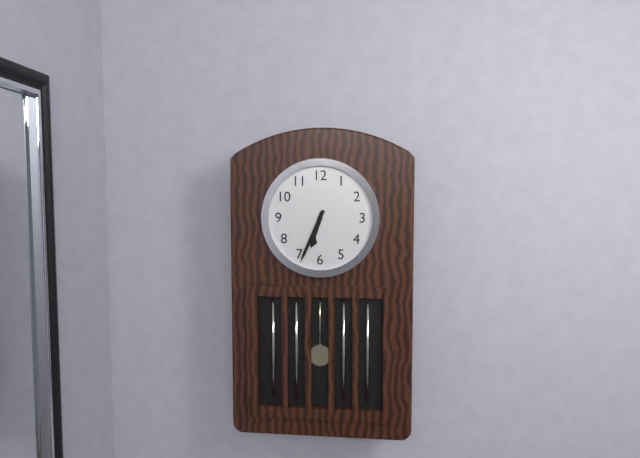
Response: 6:34
